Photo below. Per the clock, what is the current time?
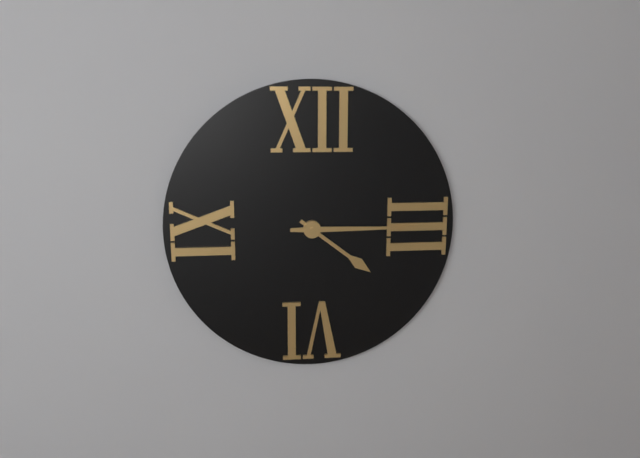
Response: 4:15
